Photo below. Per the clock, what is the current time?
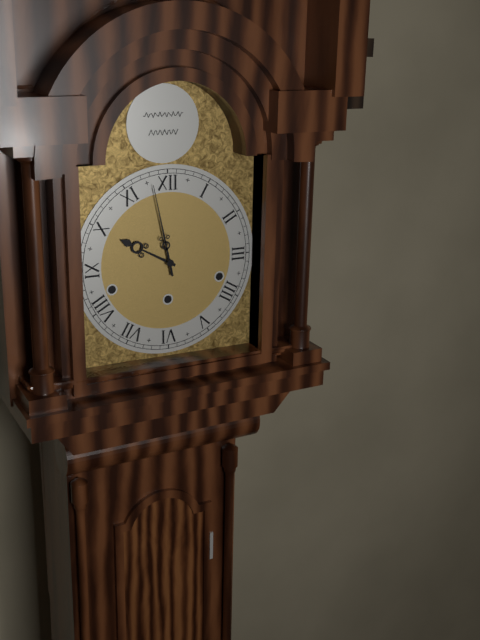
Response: 9:58
